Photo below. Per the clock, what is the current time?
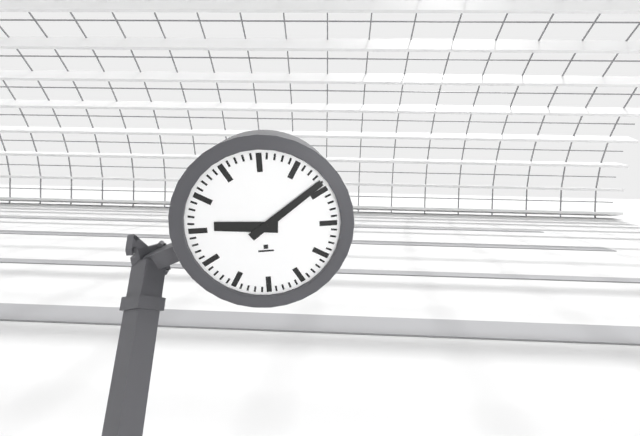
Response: 9:09
